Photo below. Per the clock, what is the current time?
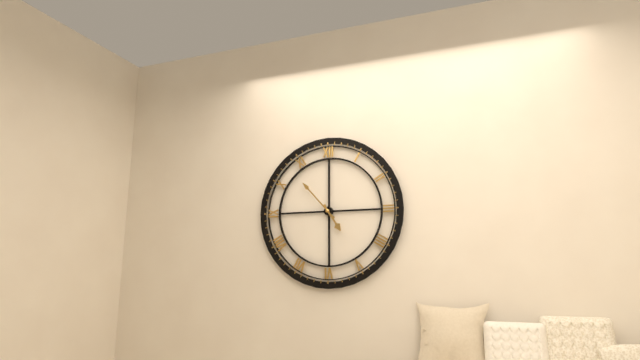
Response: 4:53
